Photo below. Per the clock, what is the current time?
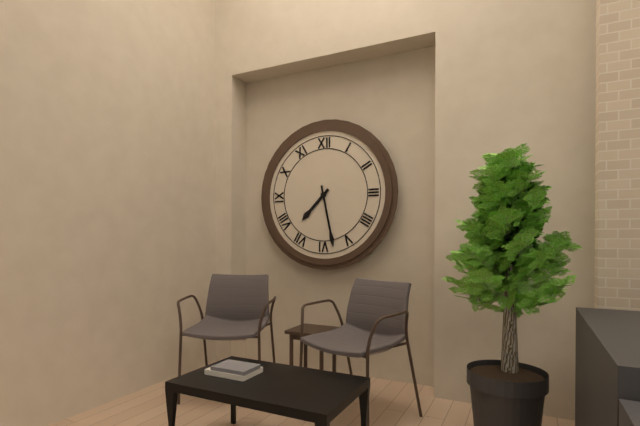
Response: 7:28
